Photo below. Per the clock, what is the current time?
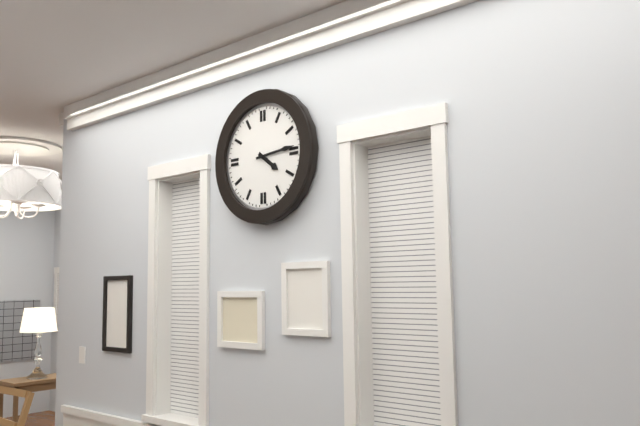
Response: 4:14
